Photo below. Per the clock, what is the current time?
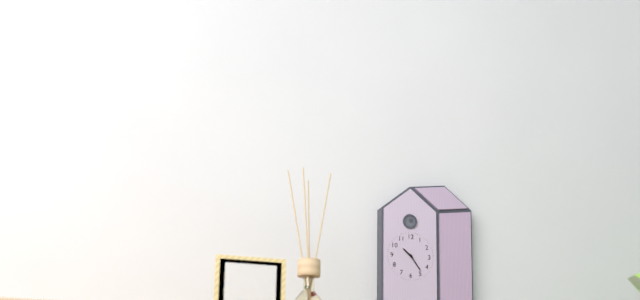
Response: 10:24
